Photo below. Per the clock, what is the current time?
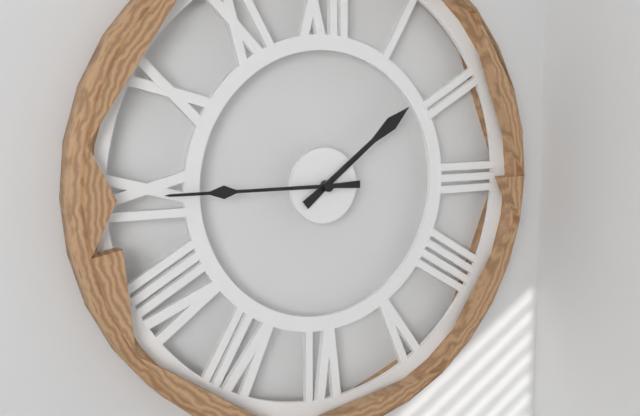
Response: 1:45
